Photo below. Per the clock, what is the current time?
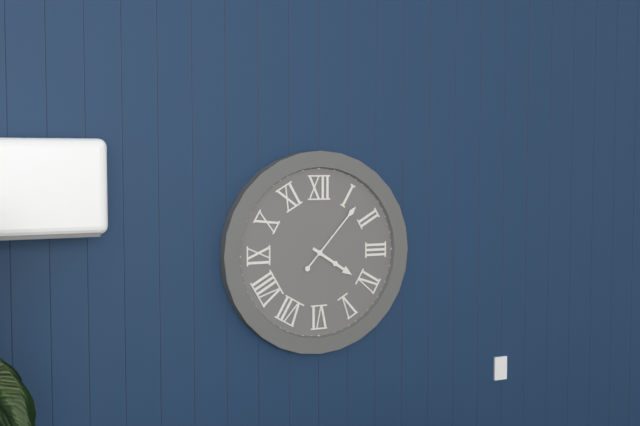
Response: 4:07
